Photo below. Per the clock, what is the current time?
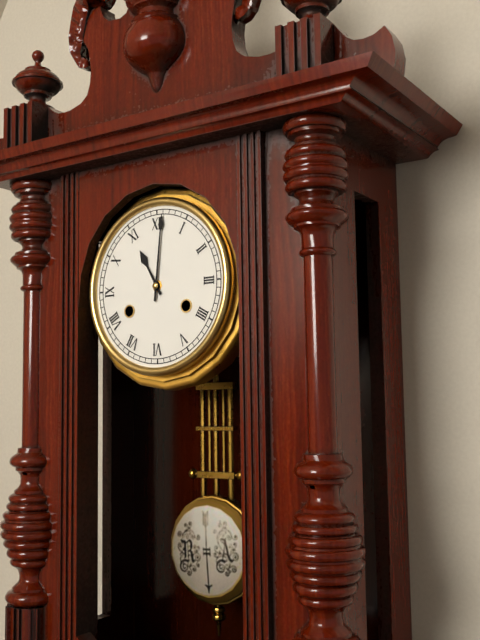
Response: 11:01
